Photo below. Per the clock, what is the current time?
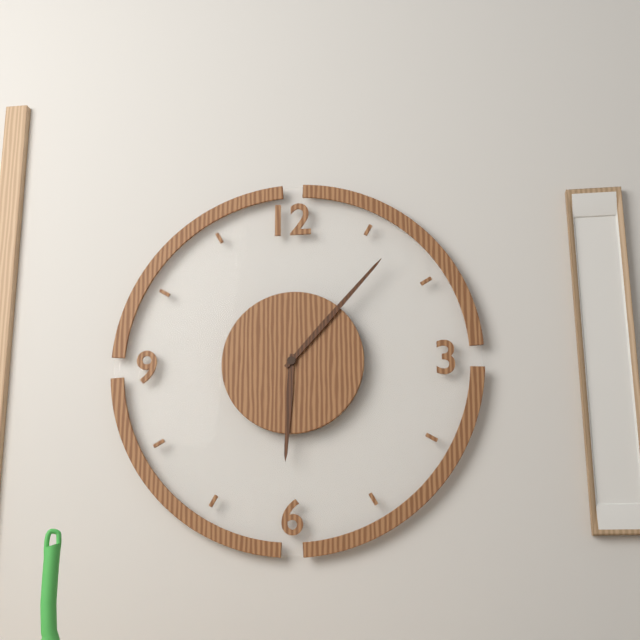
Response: 6:07
